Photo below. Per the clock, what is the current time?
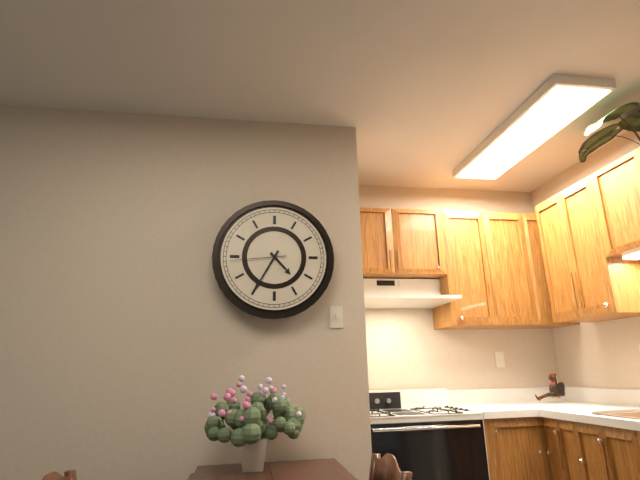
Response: 4:35:44
